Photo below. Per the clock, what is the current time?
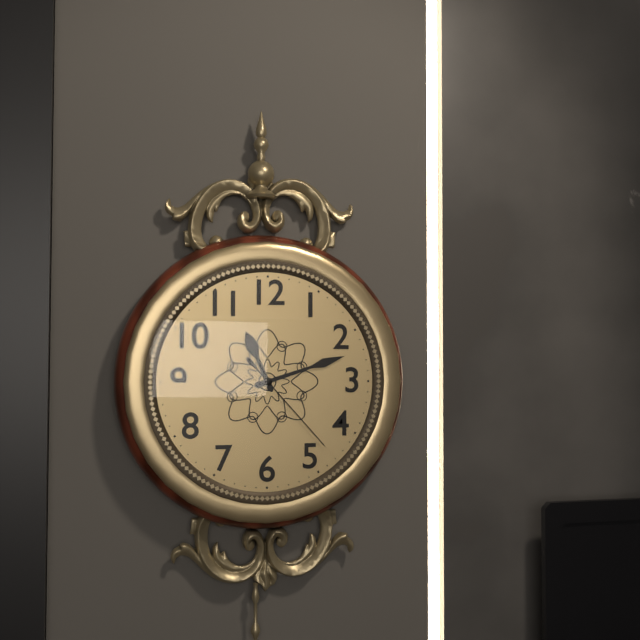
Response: 11:12:23
